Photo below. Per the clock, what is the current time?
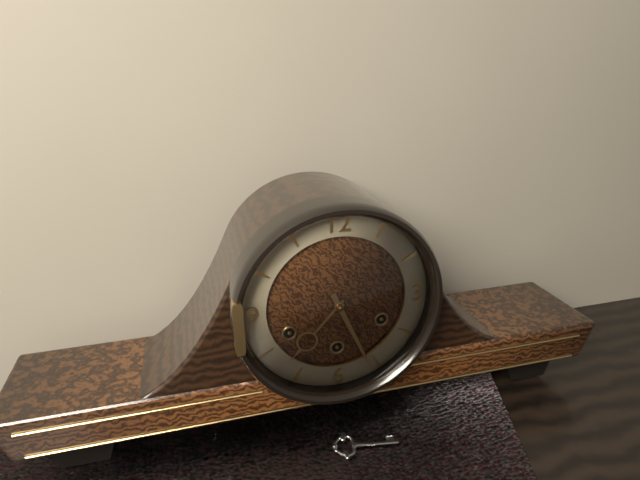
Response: 7:26
